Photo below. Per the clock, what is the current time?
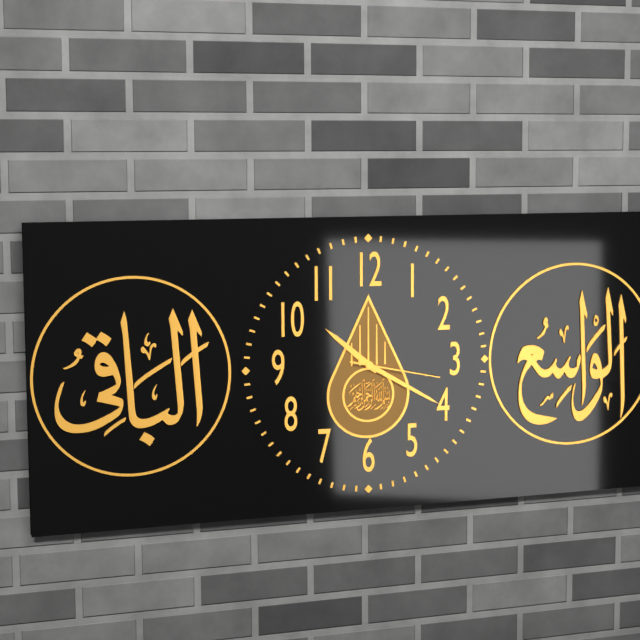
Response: 10:20:17
